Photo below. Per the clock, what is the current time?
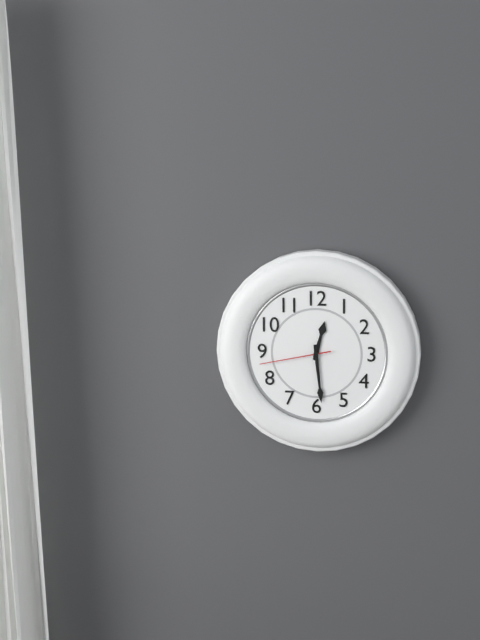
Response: 12:29:43
